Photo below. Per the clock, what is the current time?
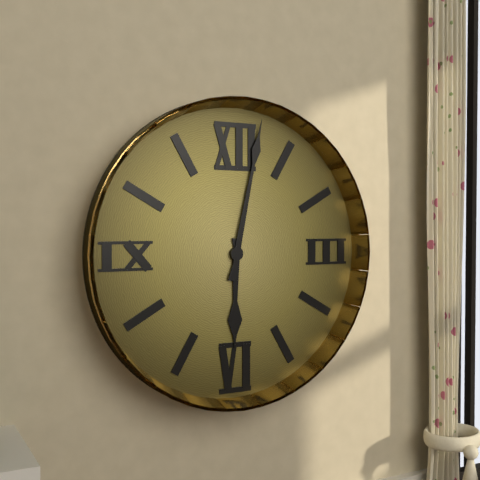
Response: 6:02
